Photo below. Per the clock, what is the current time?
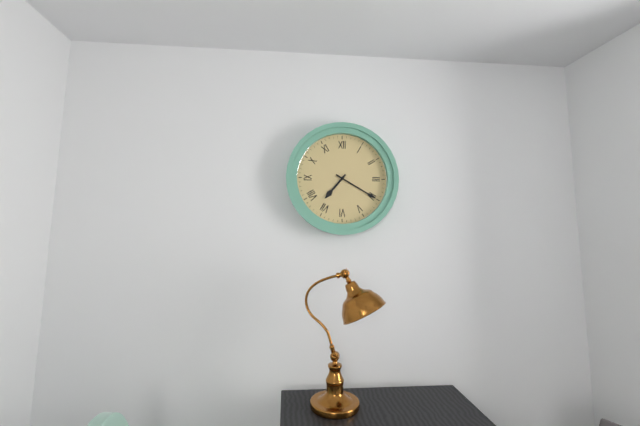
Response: 7:20
